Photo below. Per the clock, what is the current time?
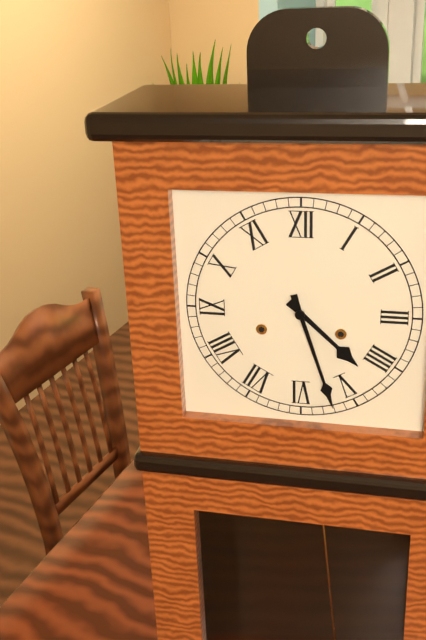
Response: 4:27
